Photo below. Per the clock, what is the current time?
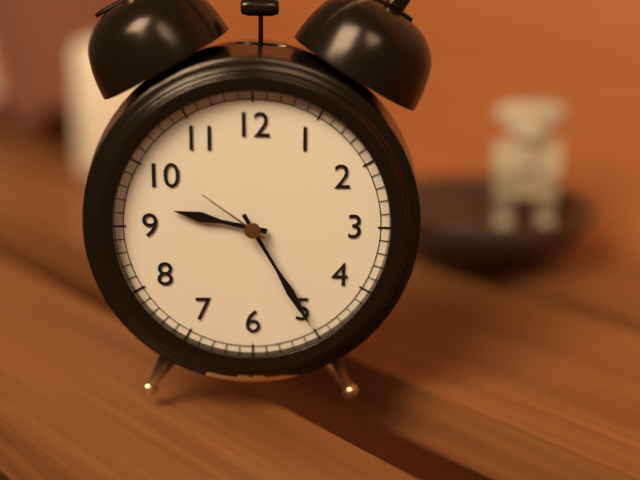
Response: 9:25:51
